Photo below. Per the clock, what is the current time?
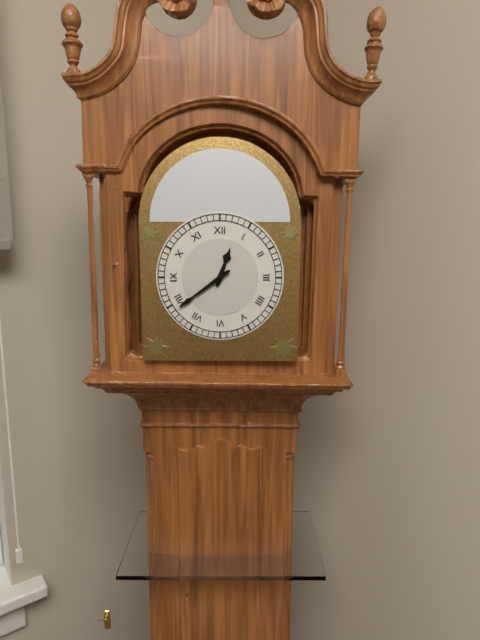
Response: 12:39
